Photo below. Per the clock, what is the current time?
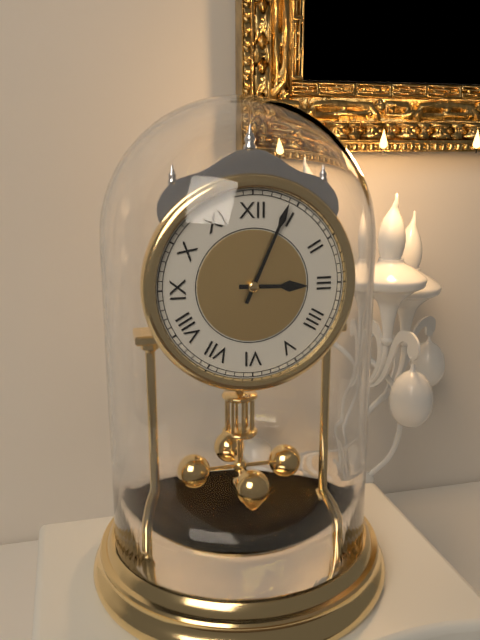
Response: 3:04
